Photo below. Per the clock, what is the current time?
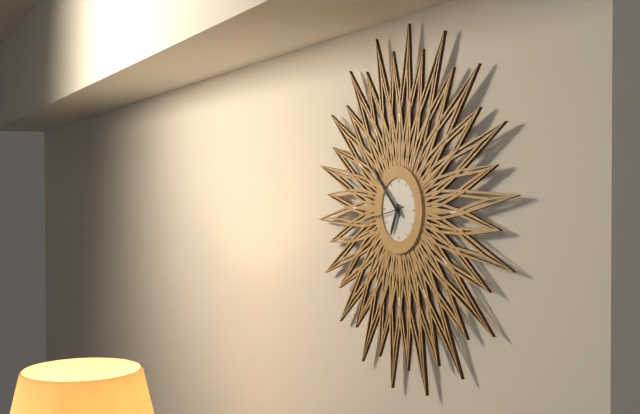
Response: 6:52:43
